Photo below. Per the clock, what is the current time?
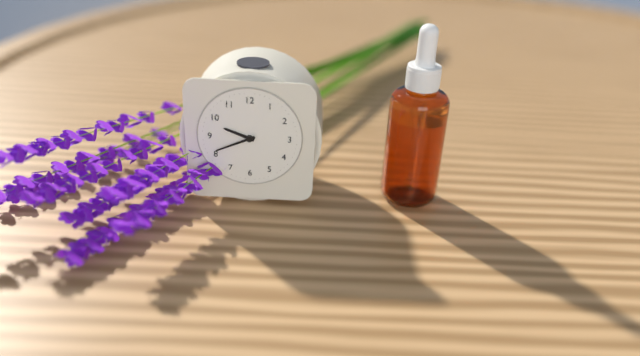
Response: 9:41
